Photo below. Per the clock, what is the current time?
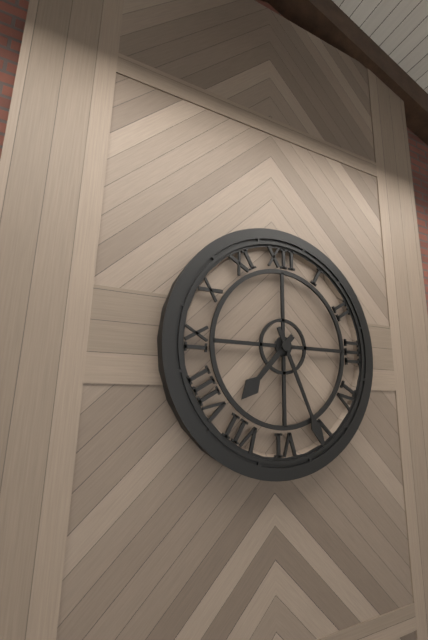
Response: 7:26
